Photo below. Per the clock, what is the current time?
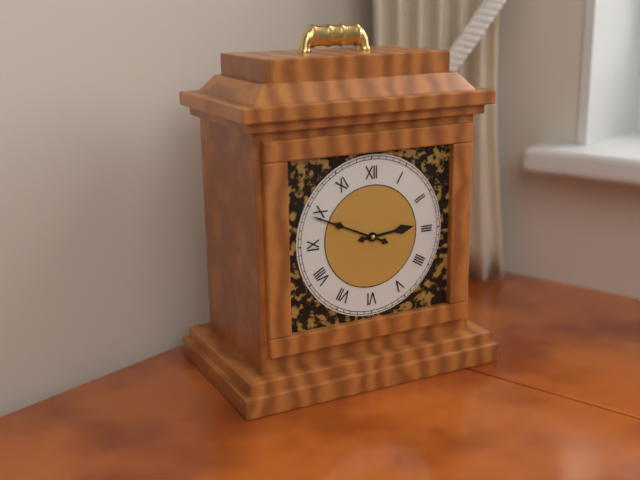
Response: 2:49
